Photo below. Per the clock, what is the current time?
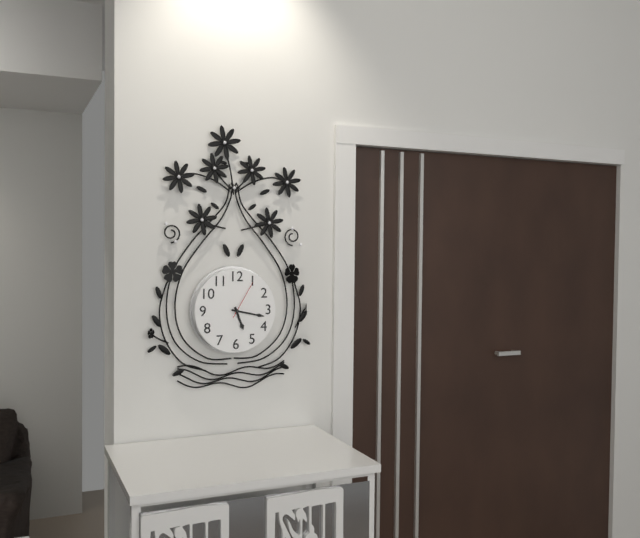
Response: 5:17
